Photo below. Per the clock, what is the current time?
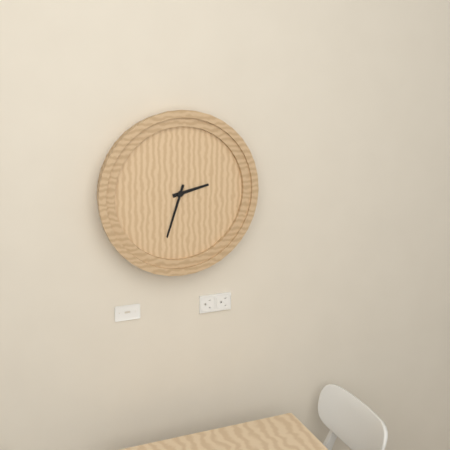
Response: 2:33
